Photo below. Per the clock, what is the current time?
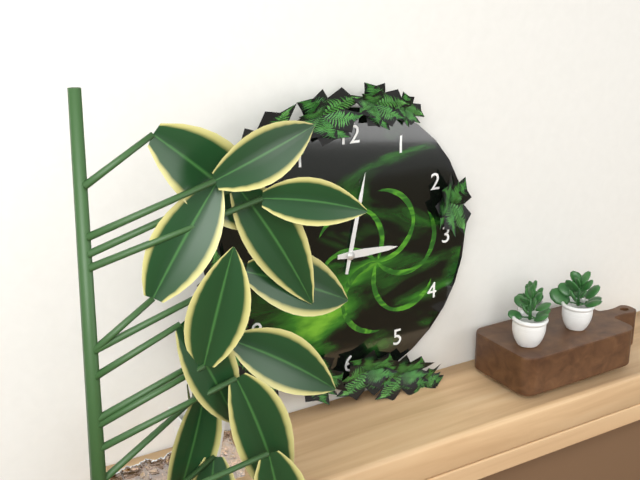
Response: 3:02
